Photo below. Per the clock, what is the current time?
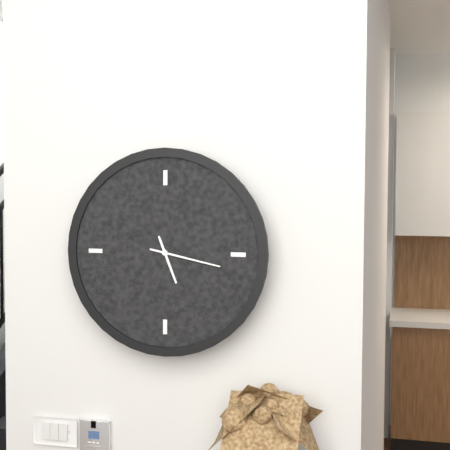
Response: 5:17
